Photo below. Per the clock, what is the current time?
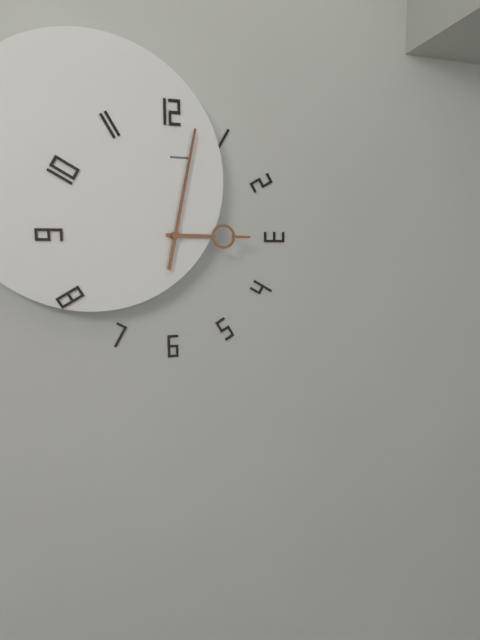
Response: 3:02
